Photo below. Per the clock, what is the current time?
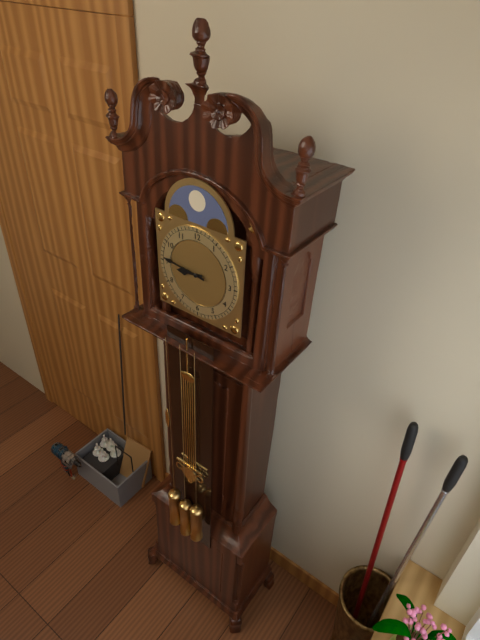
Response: 8:46
